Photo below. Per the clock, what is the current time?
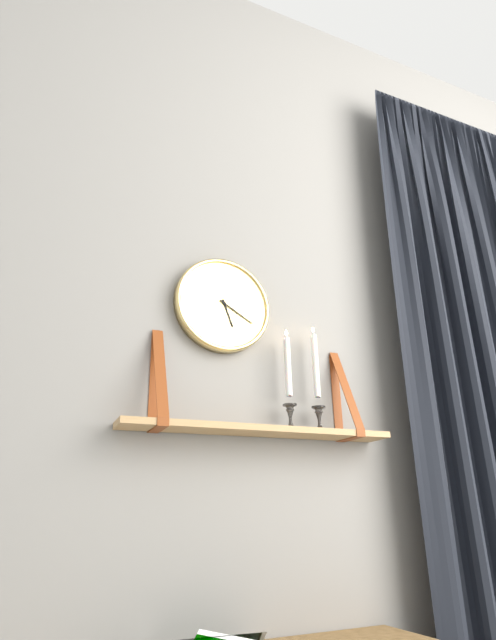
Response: 5:20
